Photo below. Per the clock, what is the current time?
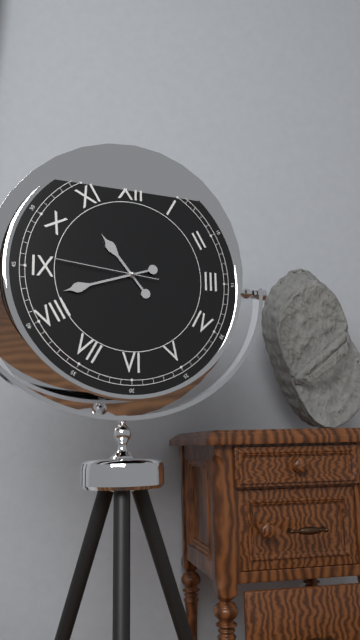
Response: 10:42:46
